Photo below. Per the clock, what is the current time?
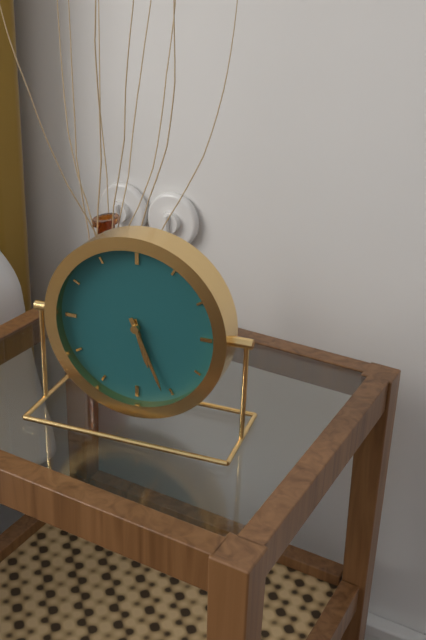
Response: 5:26
